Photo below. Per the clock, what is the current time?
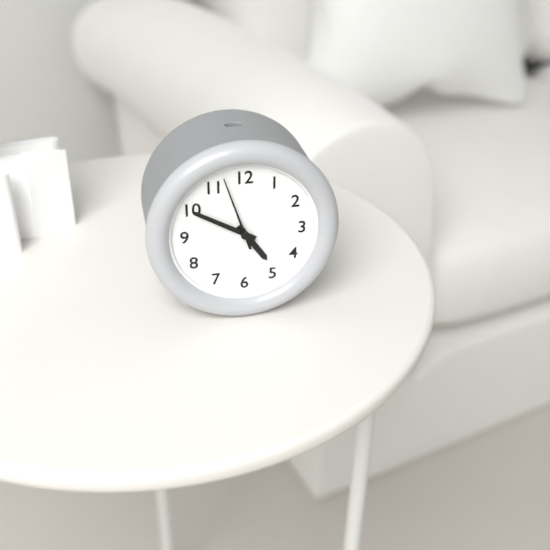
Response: 4:50:57
